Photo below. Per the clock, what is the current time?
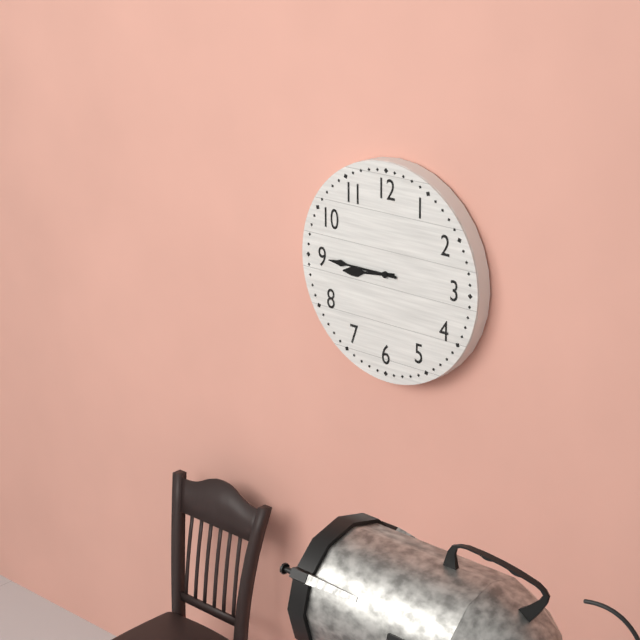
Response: 8:45
